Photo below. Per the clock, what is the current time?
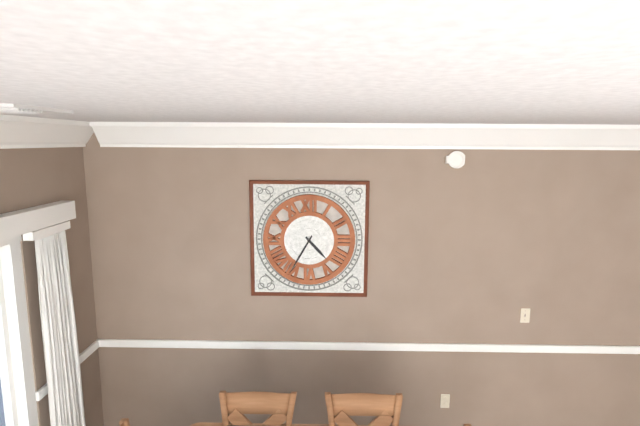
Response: 4:35
